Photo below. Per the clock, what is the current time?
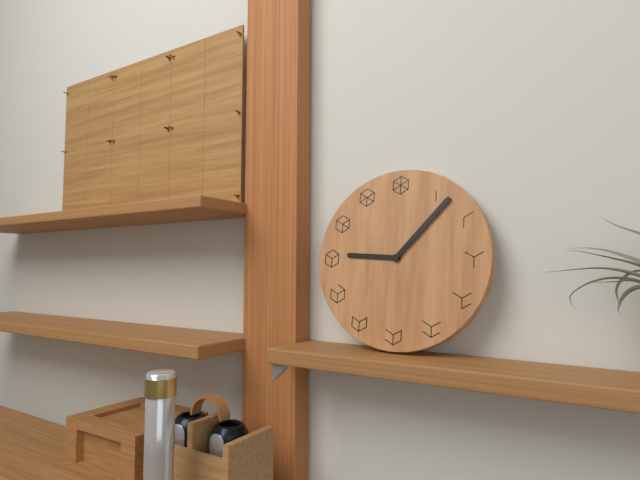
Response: 9:07
